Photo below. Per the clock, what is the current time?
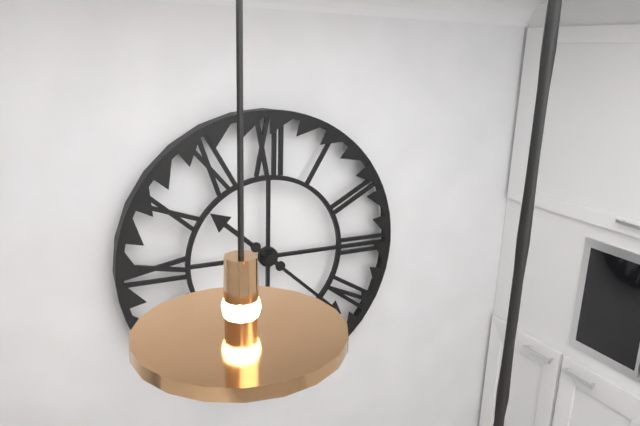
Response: 10:22
